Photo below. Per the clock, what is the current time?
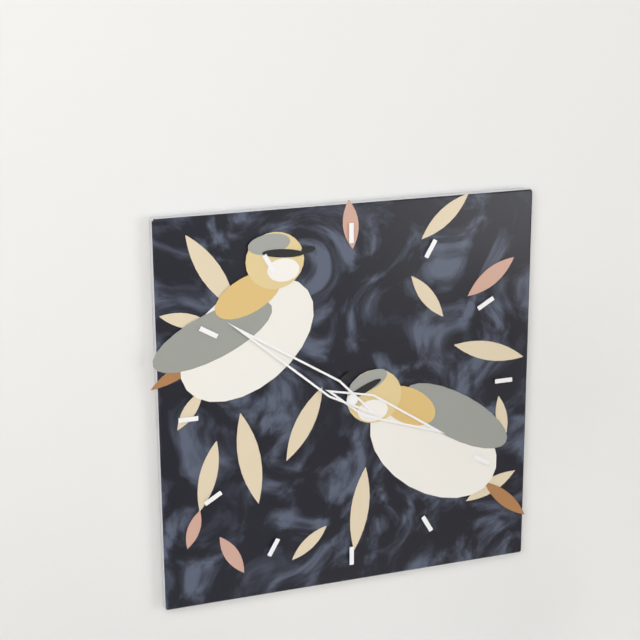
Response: 3:51
